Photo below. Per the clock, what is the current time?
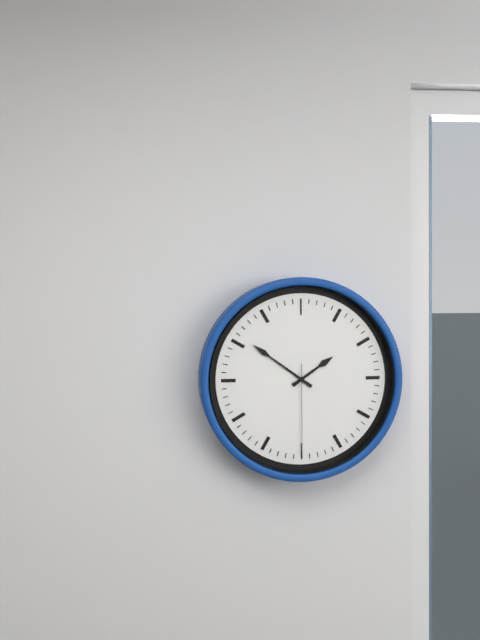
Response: 1:51:30
